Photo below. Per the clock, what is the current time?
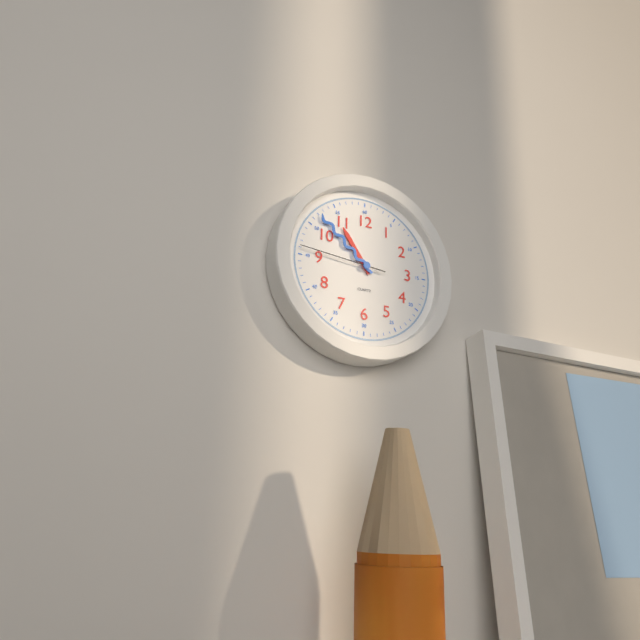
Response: 10:52:46
